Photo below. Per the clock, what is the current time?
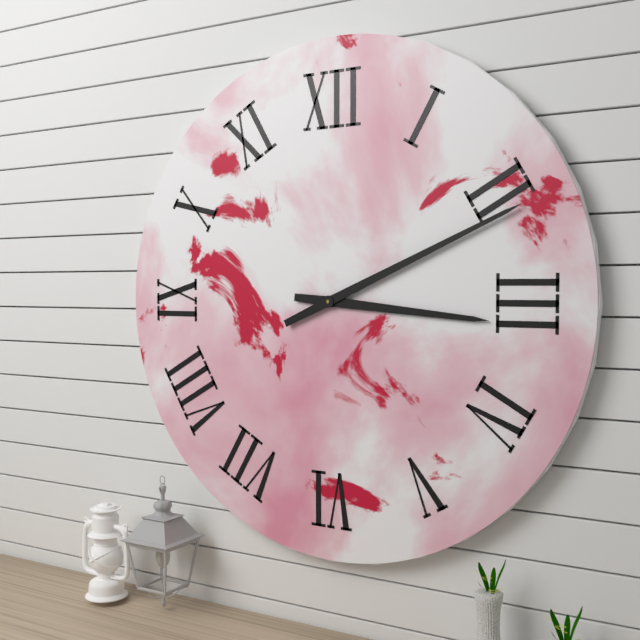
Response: 3:11
